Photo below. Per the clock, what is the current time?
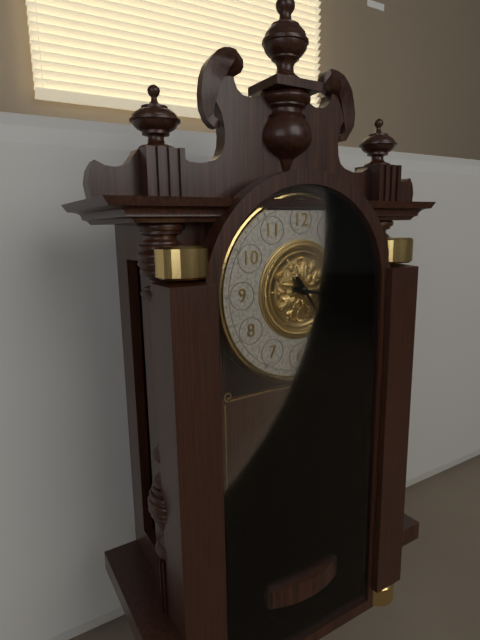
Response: 3:24
